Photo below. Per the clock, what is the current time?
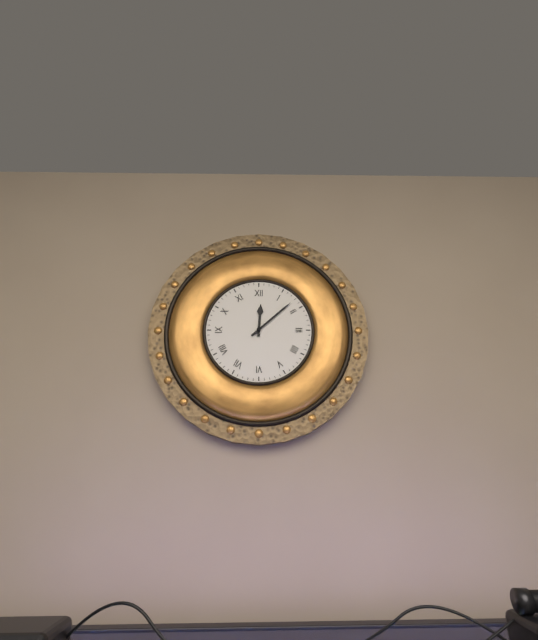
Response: 12:08
